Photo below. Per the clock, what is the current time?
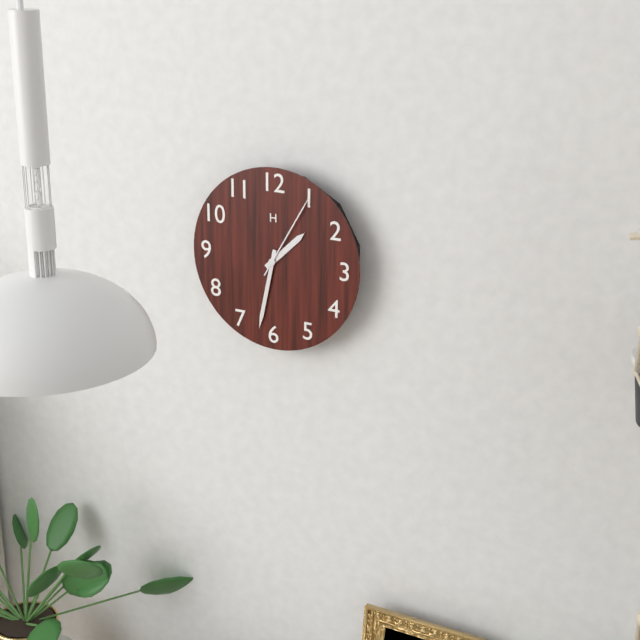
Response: 1:32:05
